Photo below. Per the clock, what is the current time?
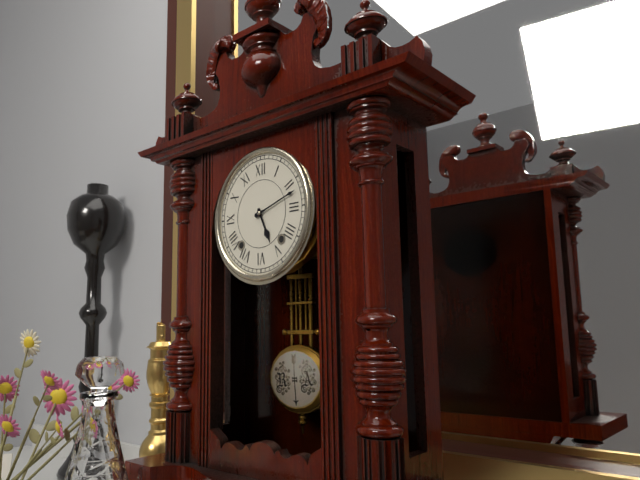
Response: 5:12
